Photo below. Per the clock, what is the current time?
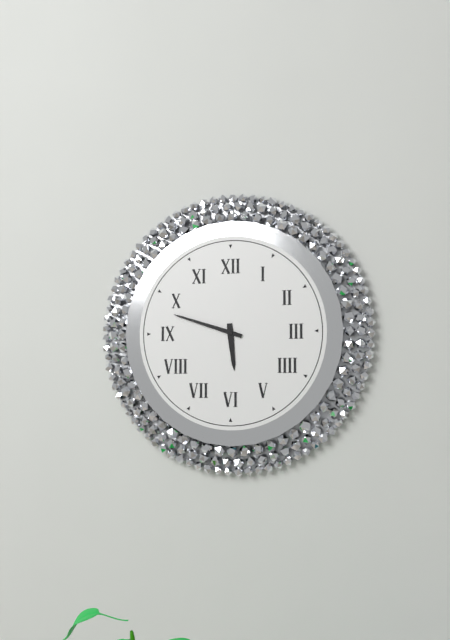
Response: 5:48
